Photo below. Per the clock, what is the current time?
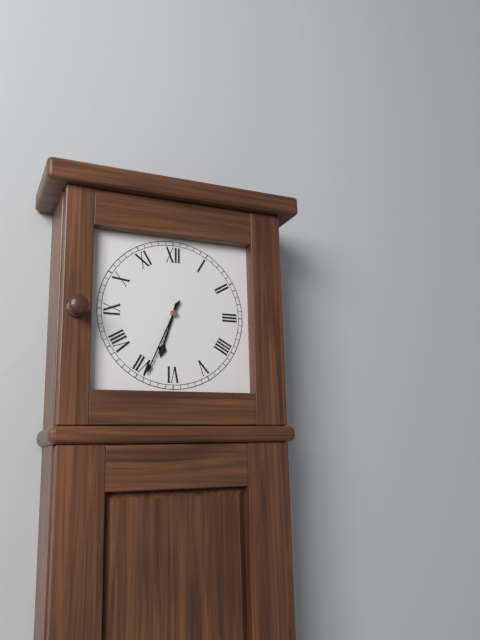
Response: 6:34
